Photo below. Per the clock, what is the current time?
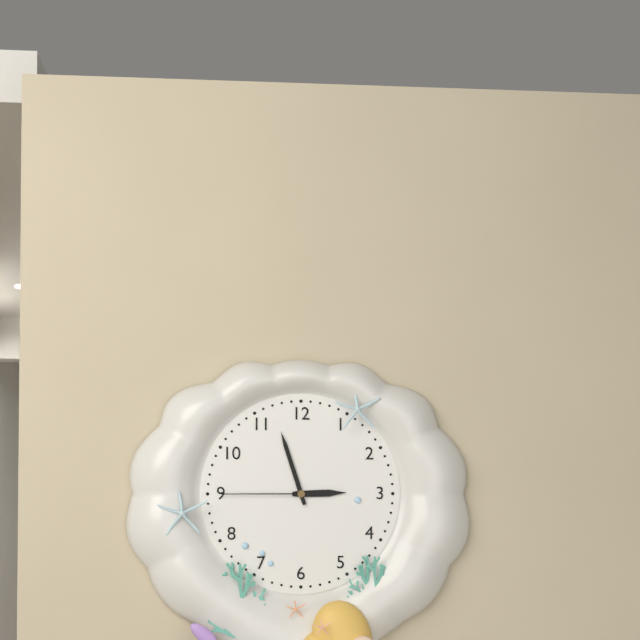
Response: 2:57:45
